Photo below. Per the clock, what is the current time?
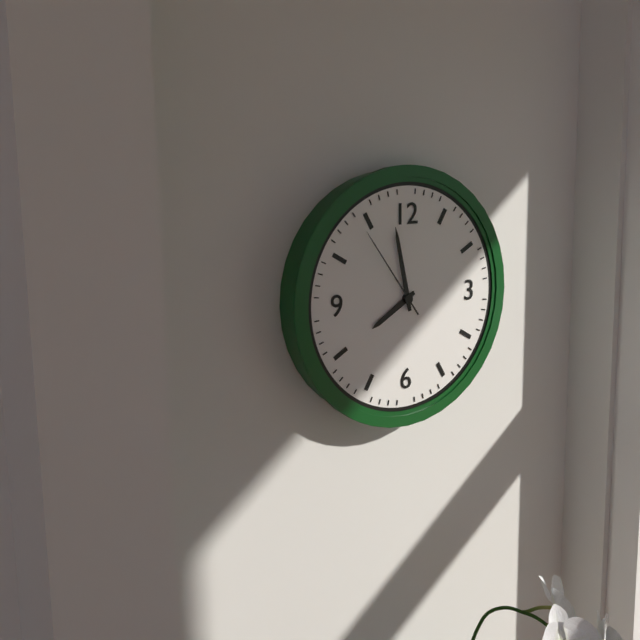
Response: 7:58:54
